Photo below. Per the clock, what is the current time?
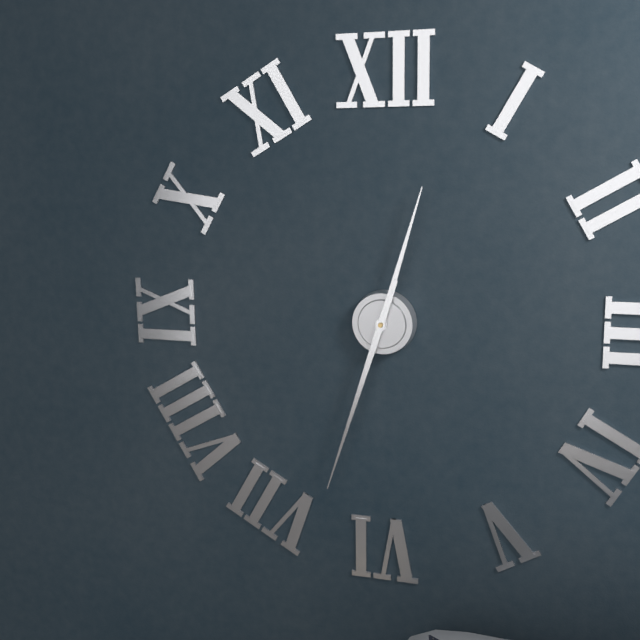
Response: 12:33
